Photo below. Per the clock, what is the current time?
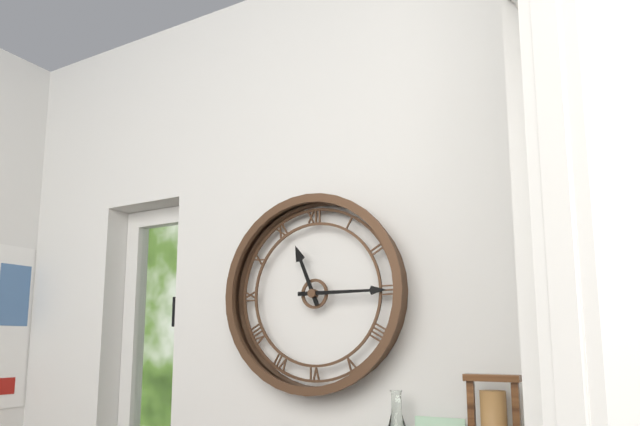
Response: 11:15
